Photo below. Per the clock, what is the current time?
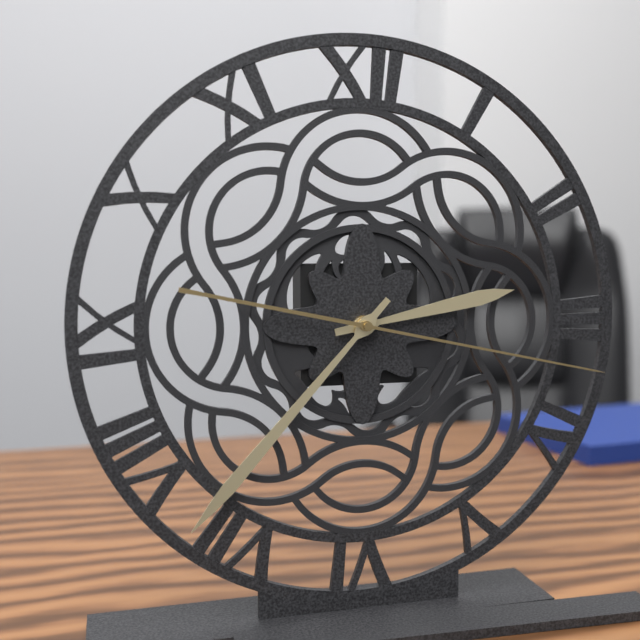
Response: 2:37:17
